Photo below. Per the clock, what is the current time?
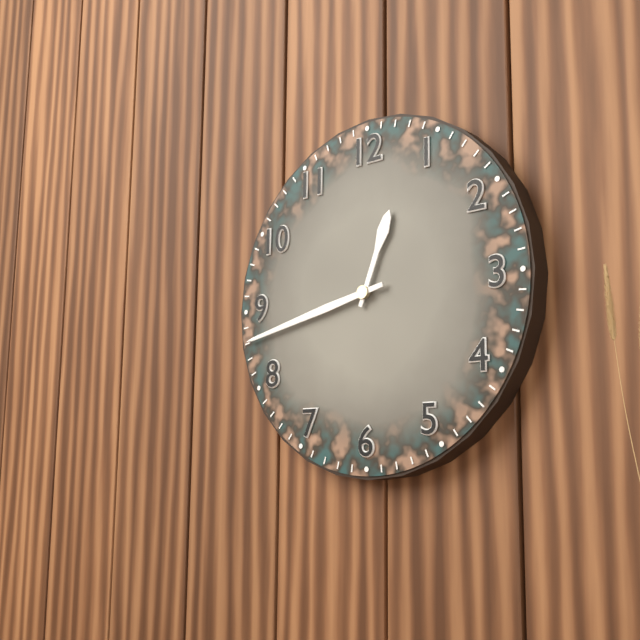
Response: 12:43
